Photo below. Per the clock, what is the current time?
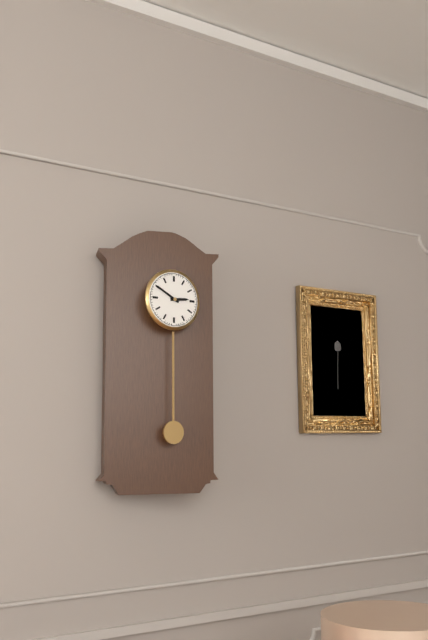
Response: 2:50
